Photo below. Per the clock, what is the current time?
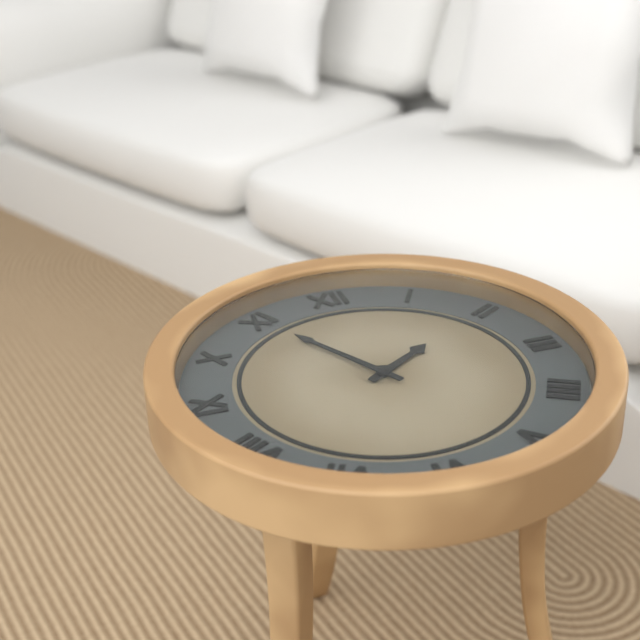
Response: 1:55
